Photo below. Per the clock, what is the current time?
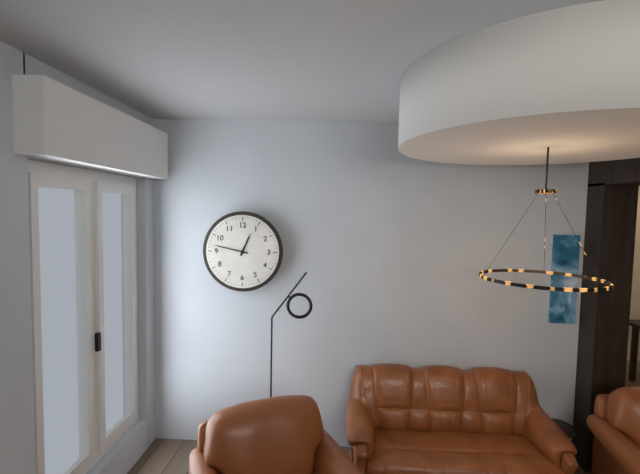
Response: 12:47
